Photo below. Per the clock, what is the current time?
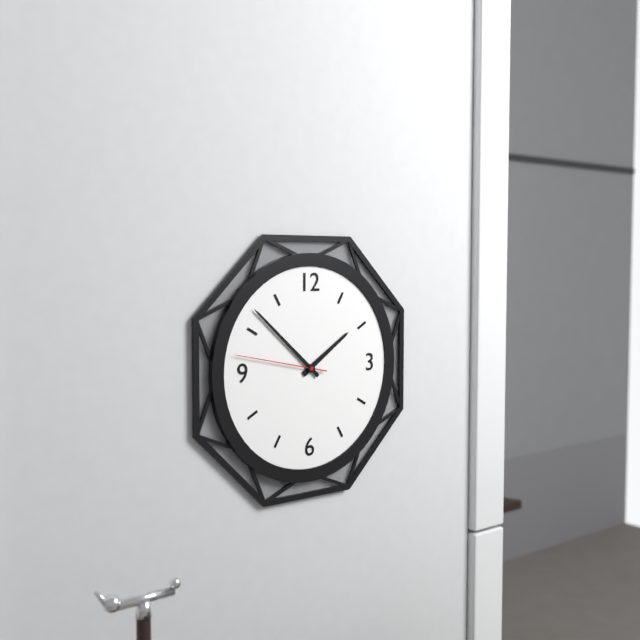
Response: 1:52:47
